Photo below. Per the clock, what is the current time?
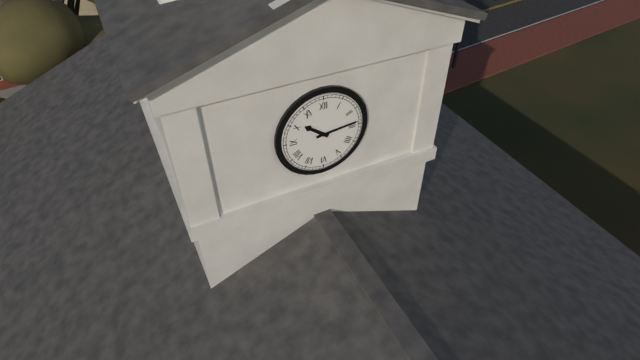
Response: 10:14
